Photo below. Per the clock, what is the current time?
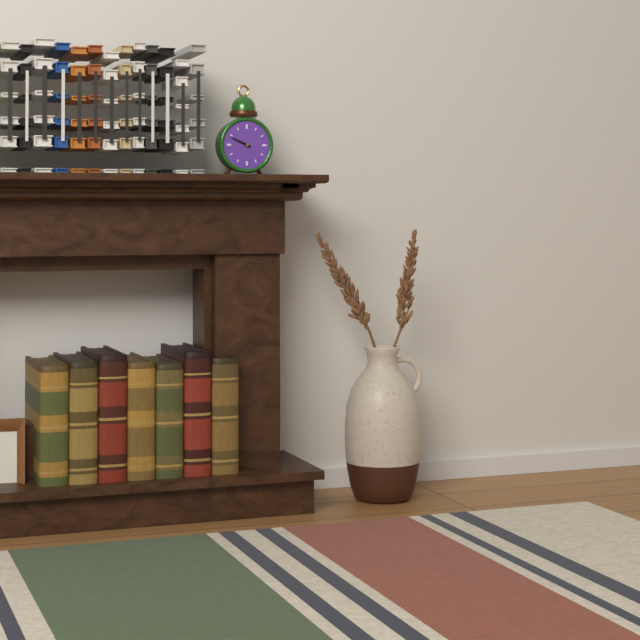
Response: 9:49
